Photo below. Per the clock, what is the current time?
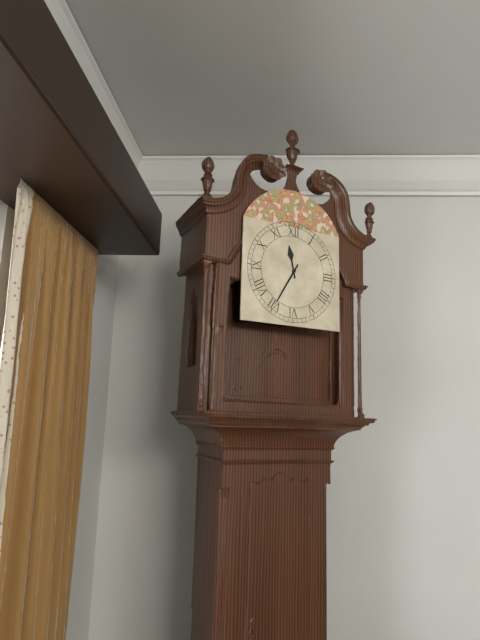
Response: 11:35
